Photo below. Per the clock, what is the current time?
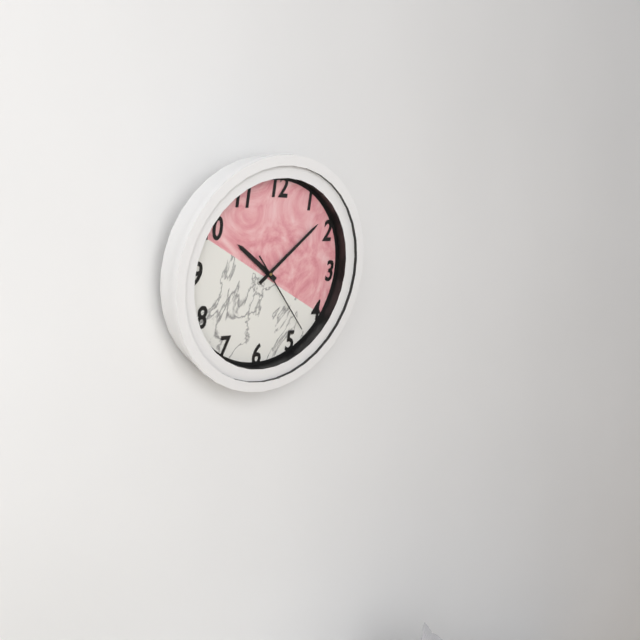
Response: 10:08:23
